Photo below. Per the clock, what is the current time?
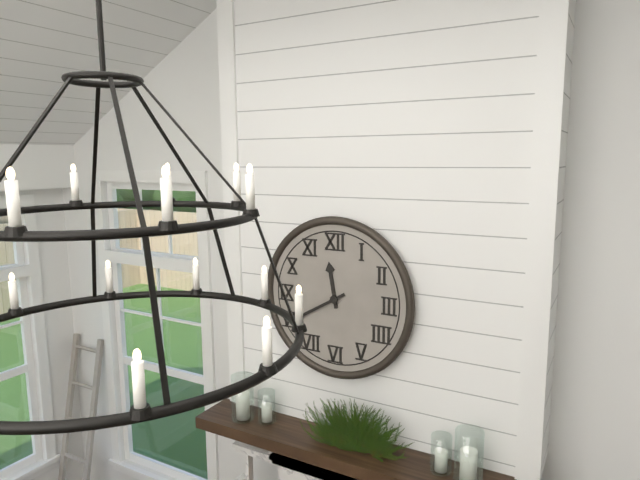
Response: 11:40
